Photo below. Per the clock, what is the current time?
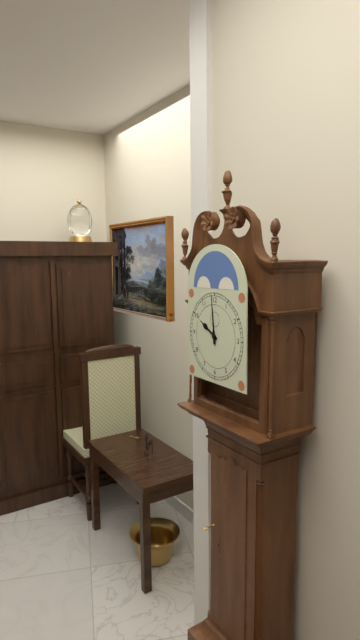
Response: 9:59
